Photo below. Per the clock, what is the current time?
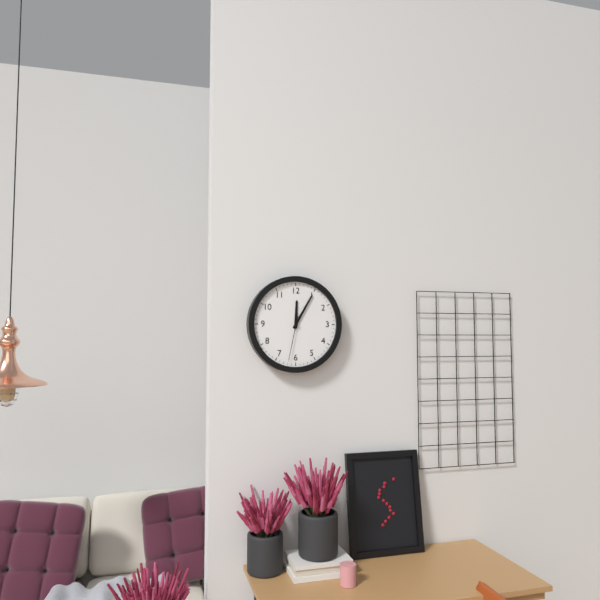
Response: 12:05
